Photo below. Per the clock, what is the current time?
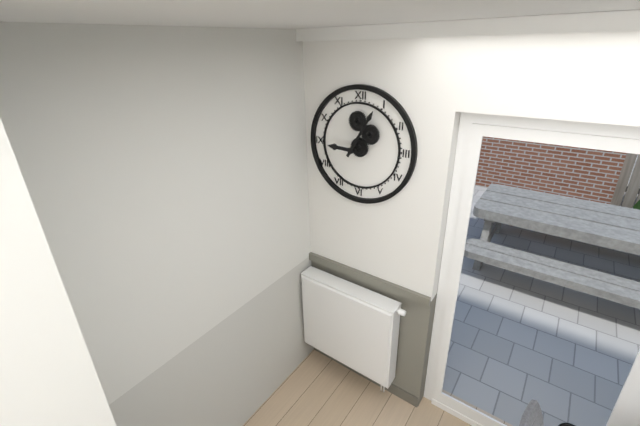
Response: 9:05
